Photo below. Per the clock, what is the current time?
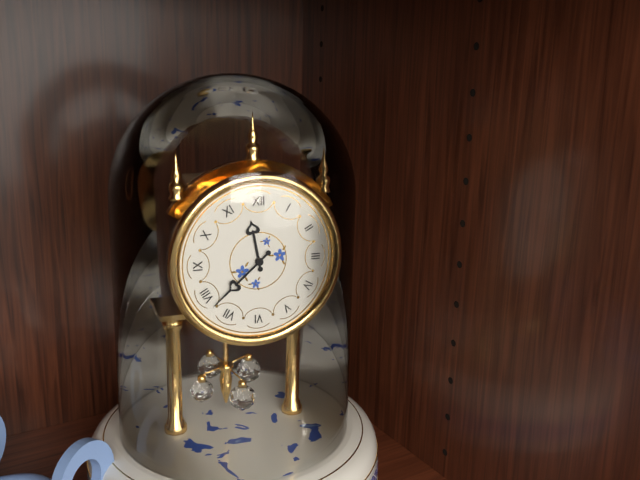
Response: 11:38
